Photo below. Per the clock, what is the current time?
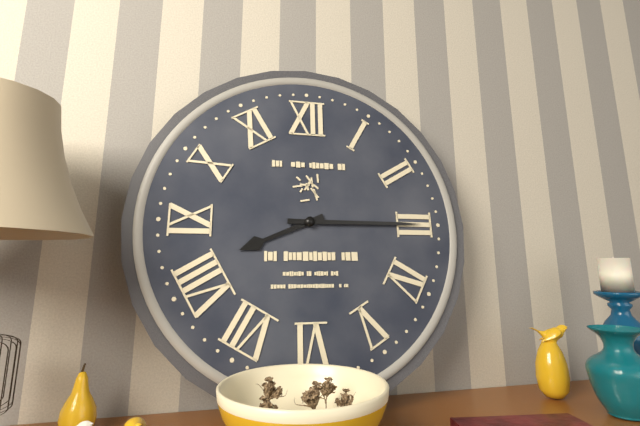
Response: 8:15
